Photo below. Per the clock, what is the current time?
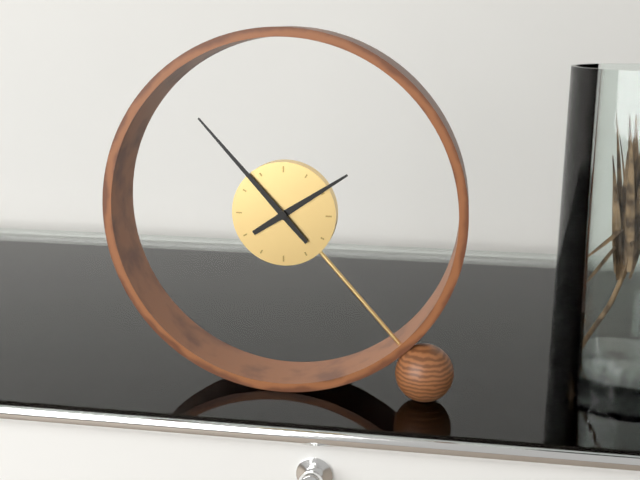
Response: 1:53
